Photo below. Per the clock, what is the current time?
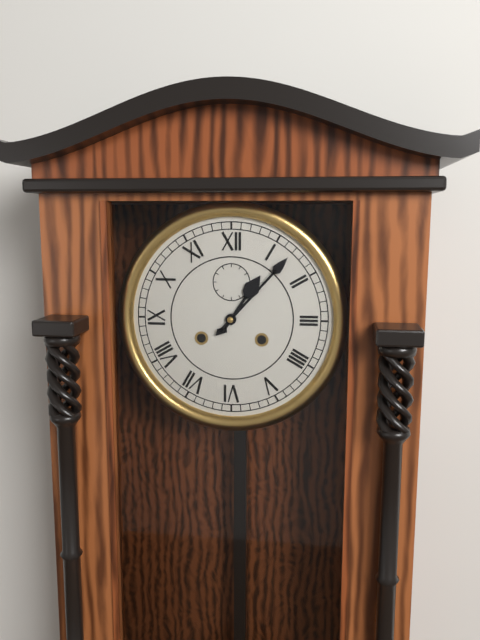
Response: 1:07
